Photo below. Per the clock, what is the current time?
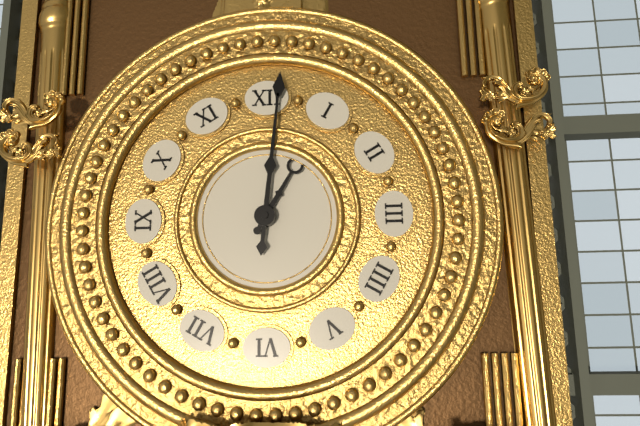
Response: 1:01
